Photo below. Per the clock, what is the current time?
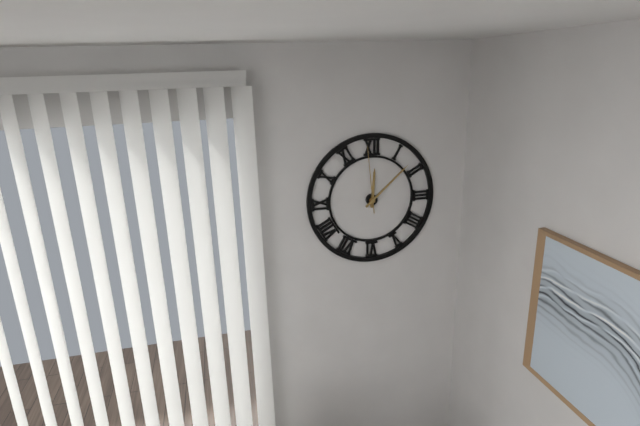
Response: 12:08:59
